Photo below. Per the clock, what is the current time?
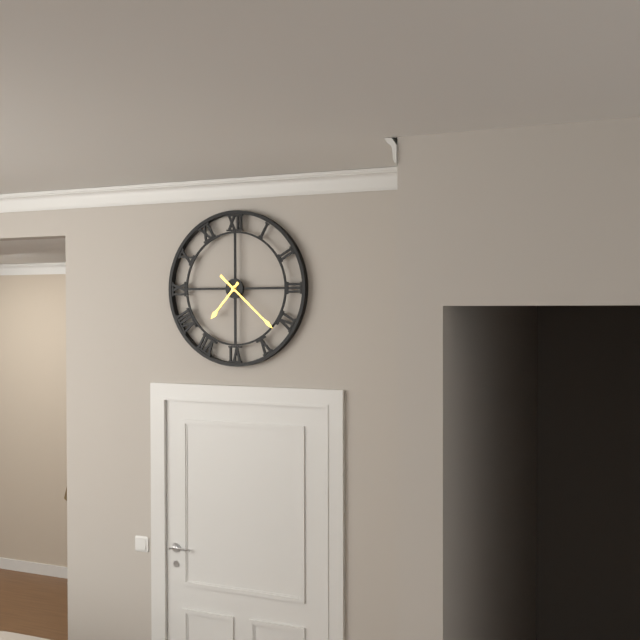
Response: 7:22
